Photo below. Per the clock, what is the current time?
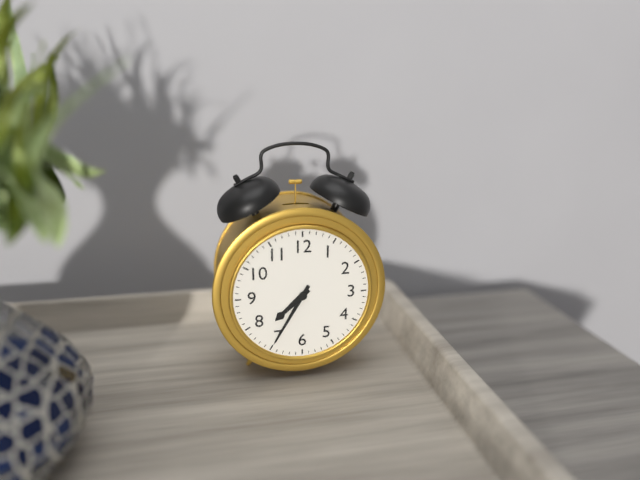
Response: 7:35
